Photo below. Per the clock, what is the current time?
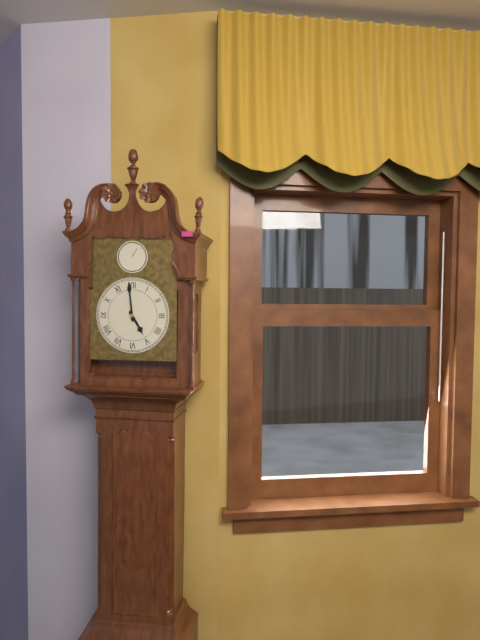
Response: 4:59
